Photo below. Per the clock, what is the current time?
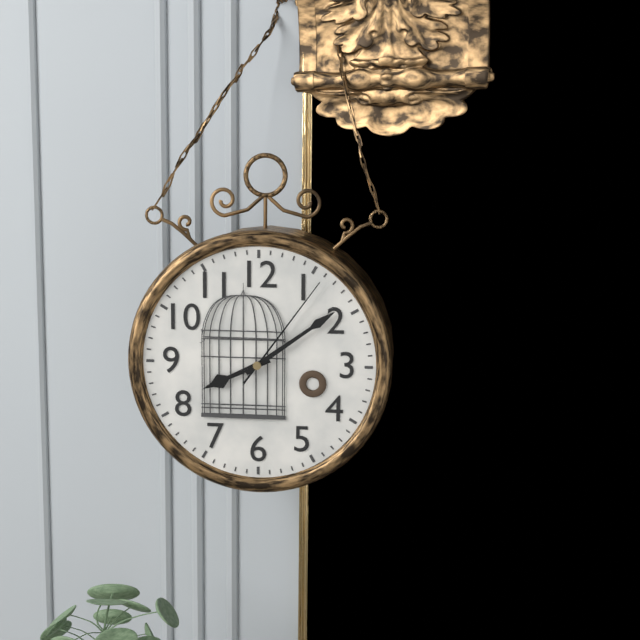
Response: 8:09:06
